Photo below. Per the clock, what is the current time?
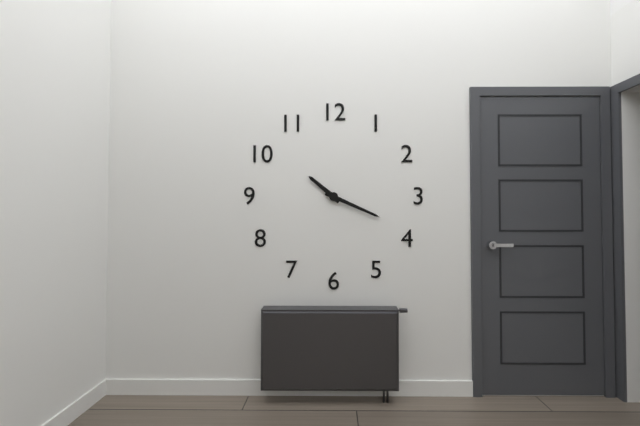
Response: 10:19
